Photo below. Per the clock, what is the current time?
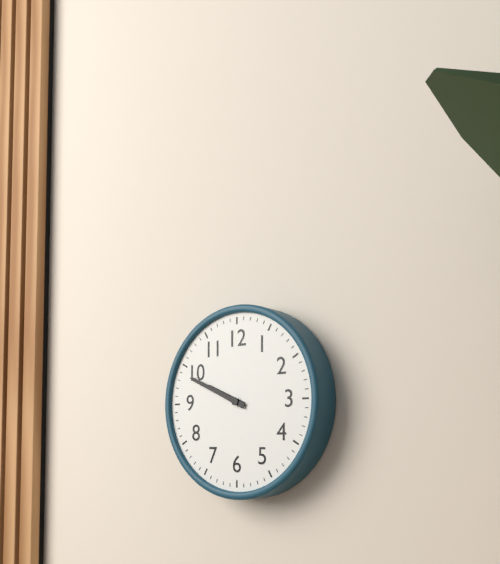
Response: 9:49
